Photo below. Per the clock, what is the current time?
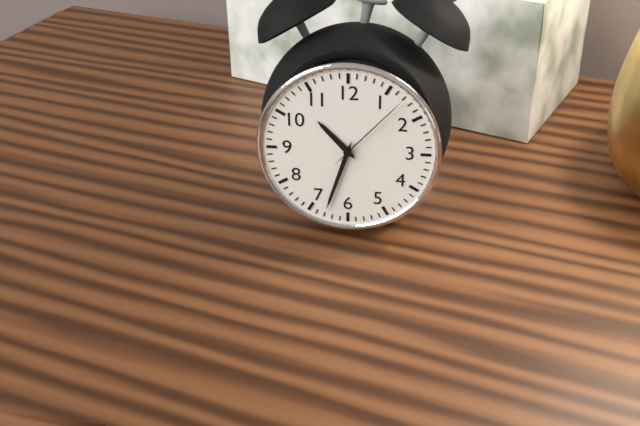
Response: 10:33:07
